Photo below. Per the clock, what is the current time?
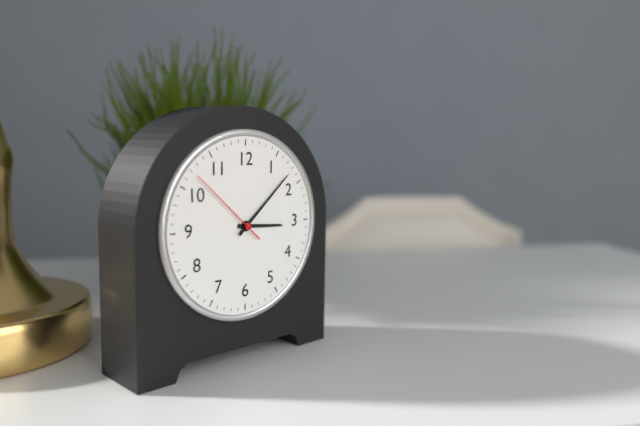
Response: 3:08:52
